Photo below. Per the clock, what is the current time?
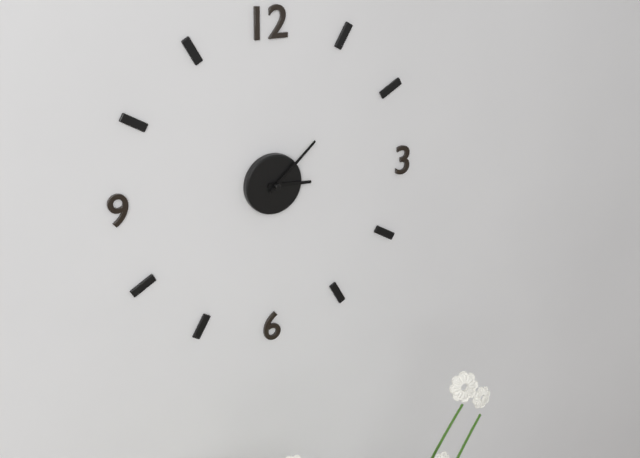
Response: 3:08
